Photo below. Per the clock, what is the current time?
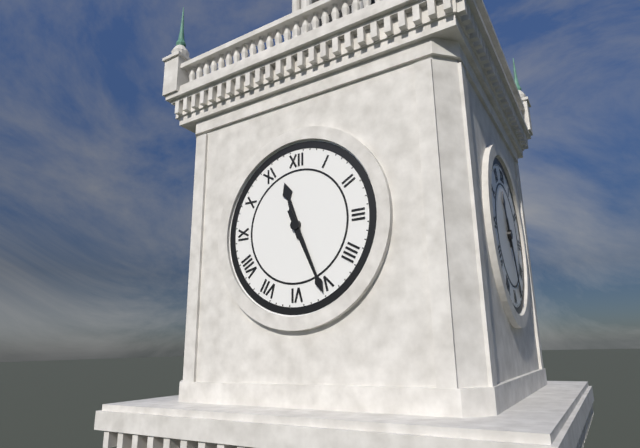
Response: 11:26
